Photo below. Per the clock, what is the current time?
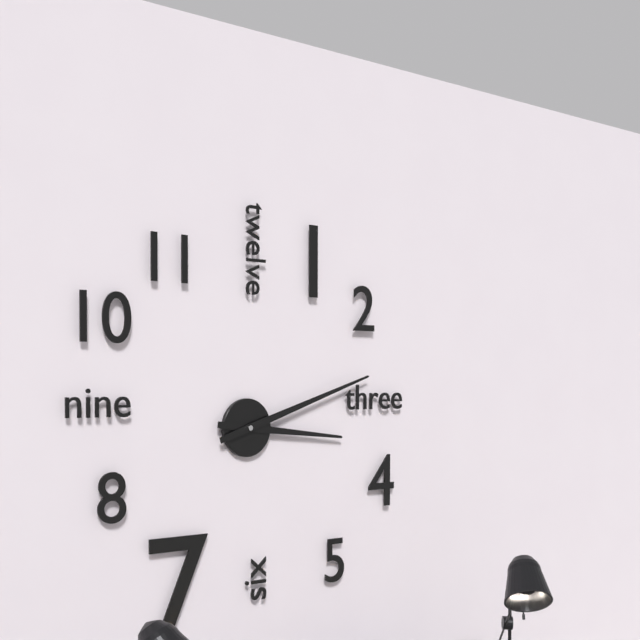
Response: 3:12
